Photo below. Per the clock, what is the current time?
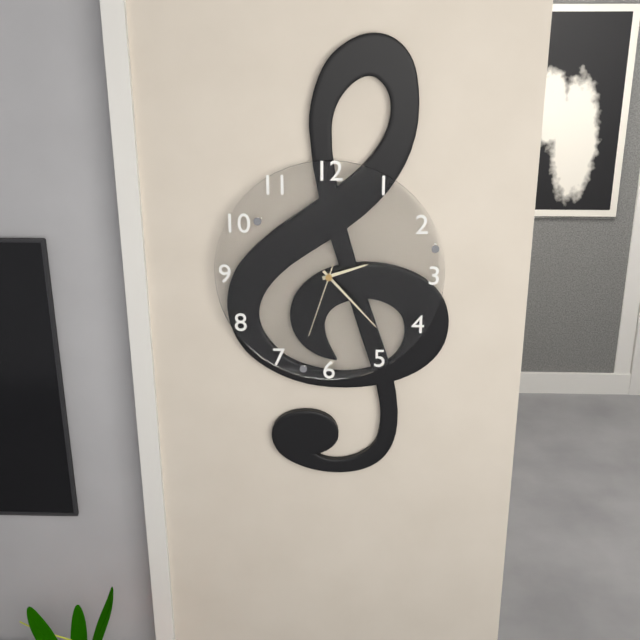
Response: 2:23:33
